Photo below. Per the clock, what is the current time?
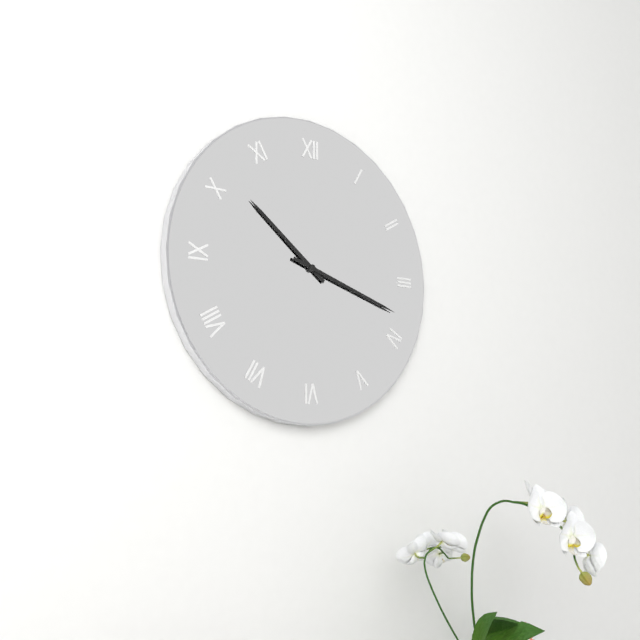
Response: 10:18
